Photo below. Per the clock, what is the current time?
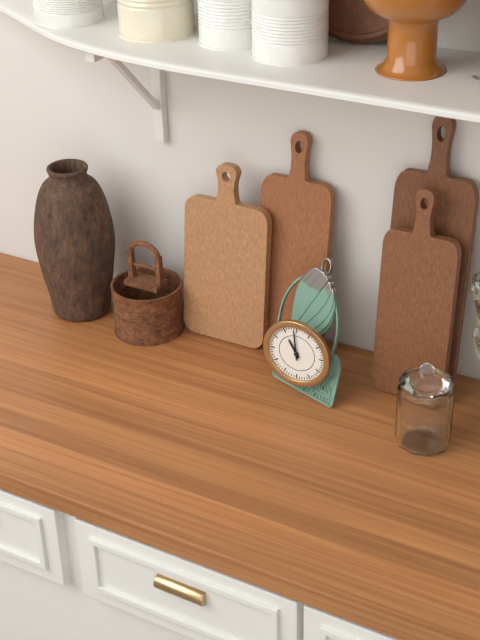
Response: 10:59
